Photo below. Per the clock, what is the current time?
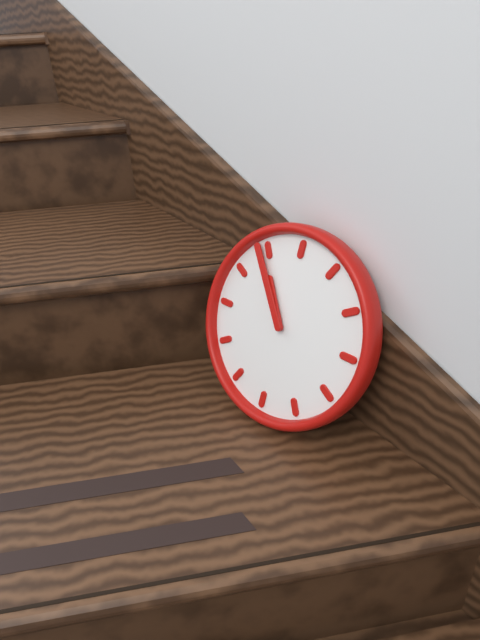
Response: 10:54
